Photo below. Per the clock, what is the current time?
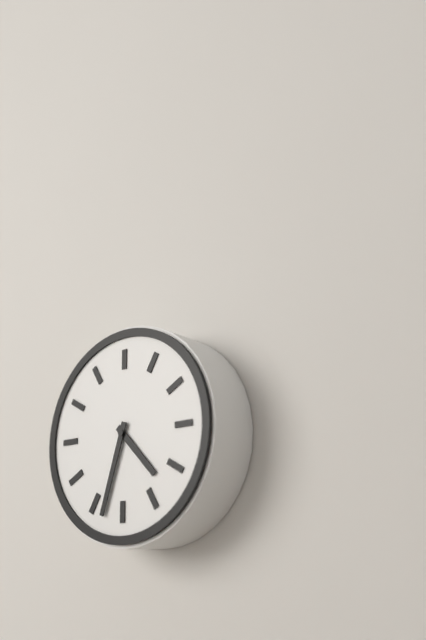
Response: 4:33
